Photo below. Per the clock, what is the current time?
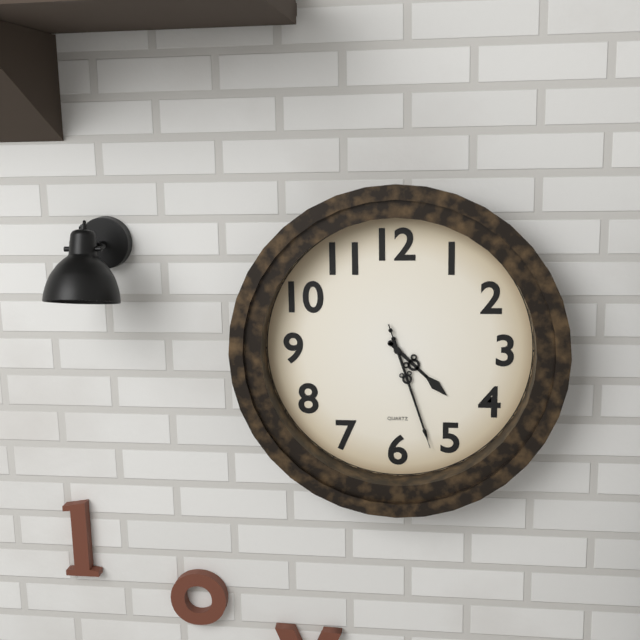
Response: 4:27:27
